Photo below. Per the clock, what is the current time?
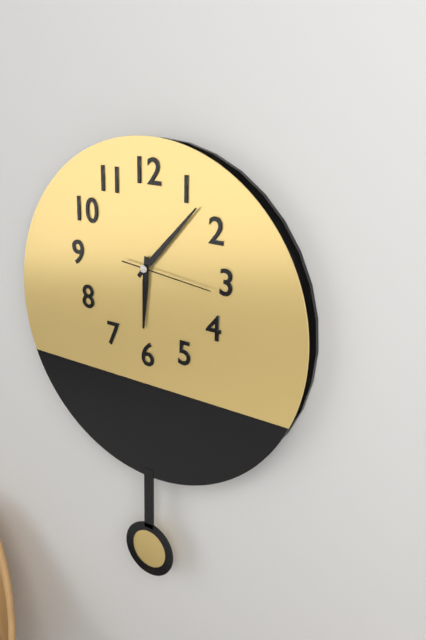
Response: 6:07:16
